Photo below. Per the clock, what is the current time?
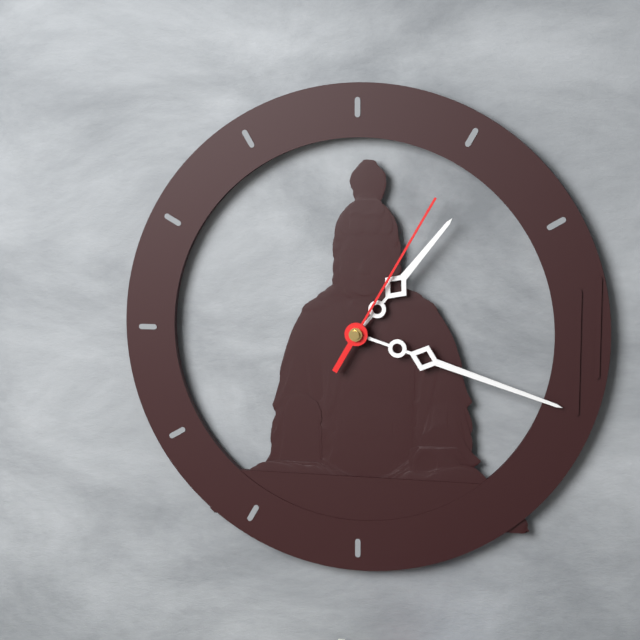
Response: 1:18:05
